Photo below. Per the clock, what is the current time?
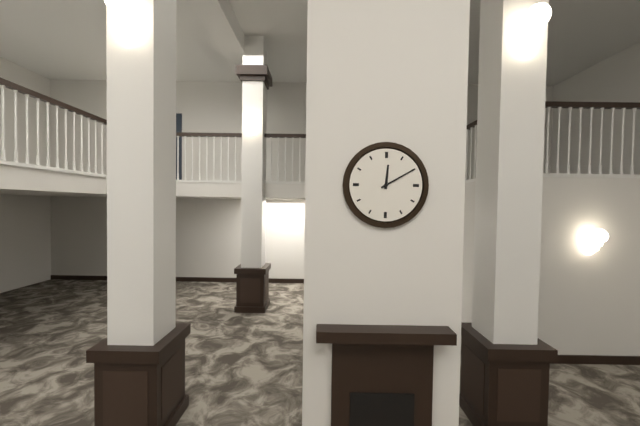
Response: 12:10
